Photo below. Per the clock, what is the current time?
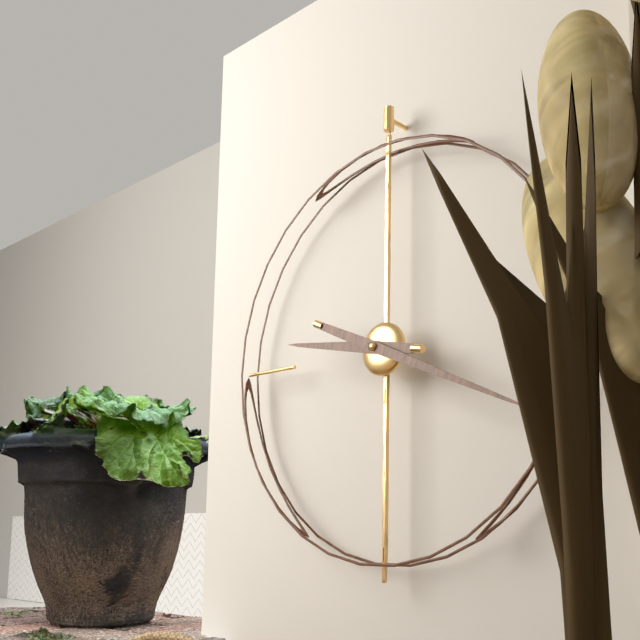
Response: 9:19
